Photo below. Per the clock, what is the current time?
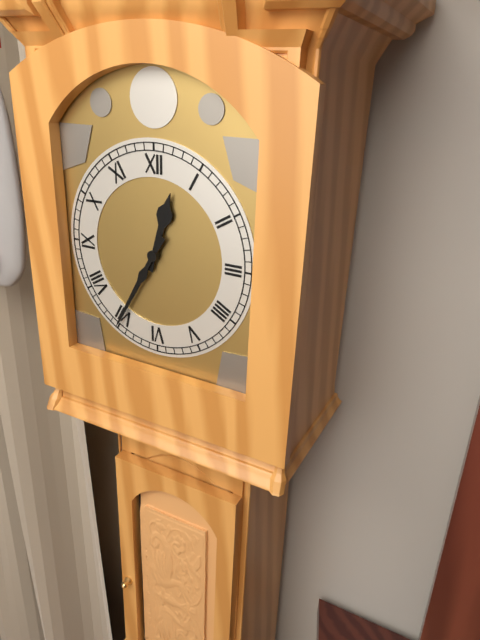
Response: 12:35
